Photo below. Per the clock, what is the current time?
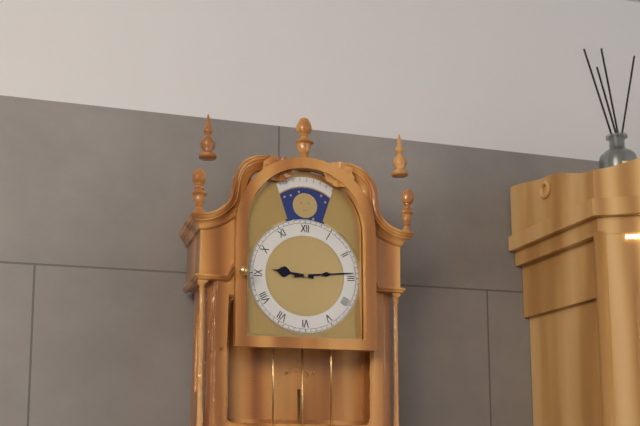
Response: 9:14
